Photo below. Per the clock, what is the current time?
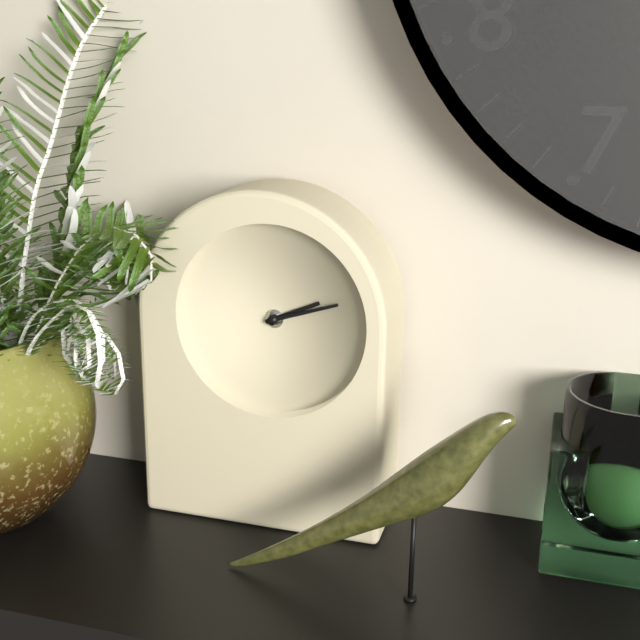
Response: 2:12
